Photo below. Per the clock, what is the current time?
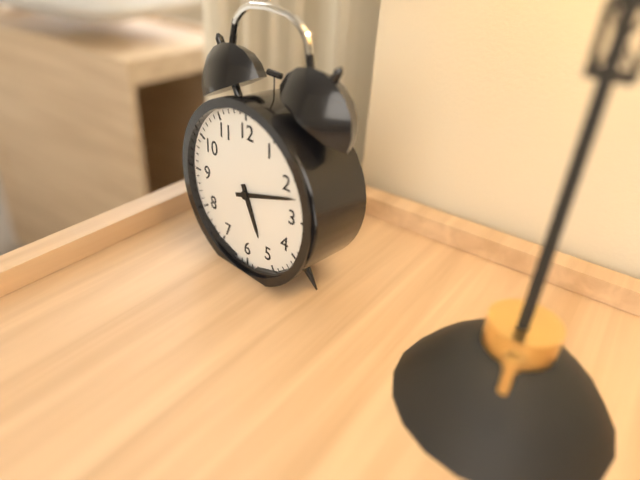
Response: 5:12
